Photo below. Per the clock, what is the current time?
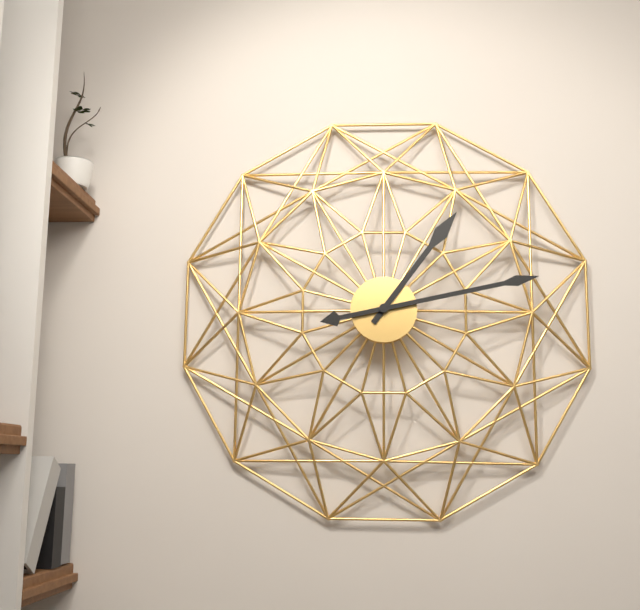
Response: 1:13
